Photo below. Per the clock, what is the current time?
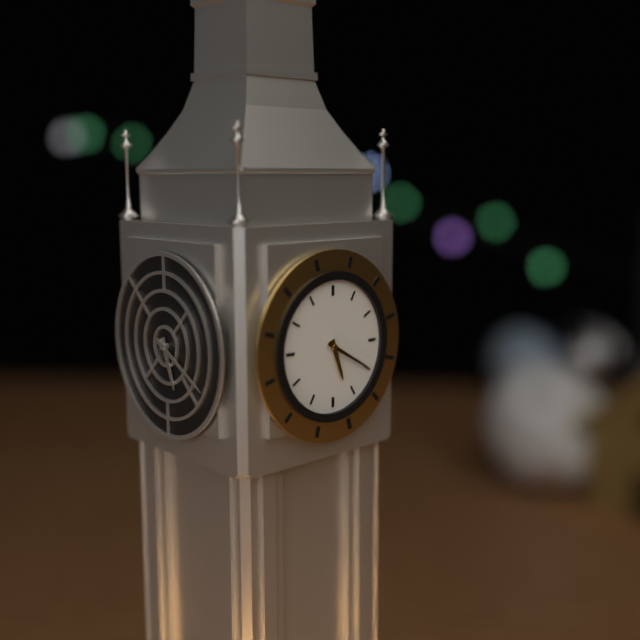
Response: 5:20
